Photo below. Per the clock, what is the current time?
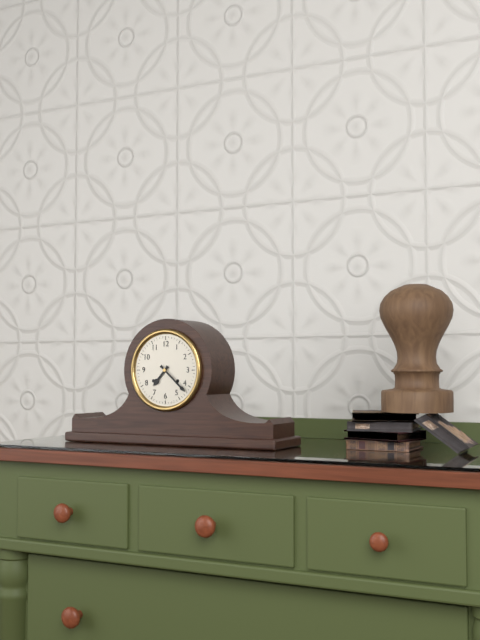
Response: 7:22
